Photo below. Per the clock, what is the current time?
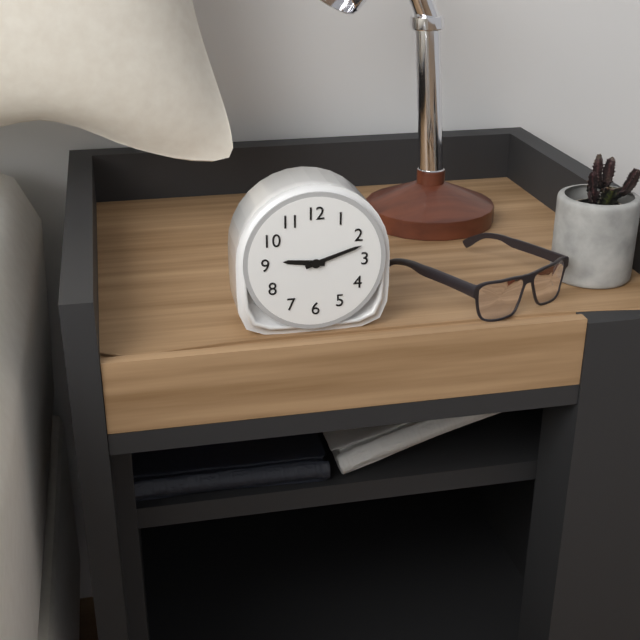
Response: 9:12
